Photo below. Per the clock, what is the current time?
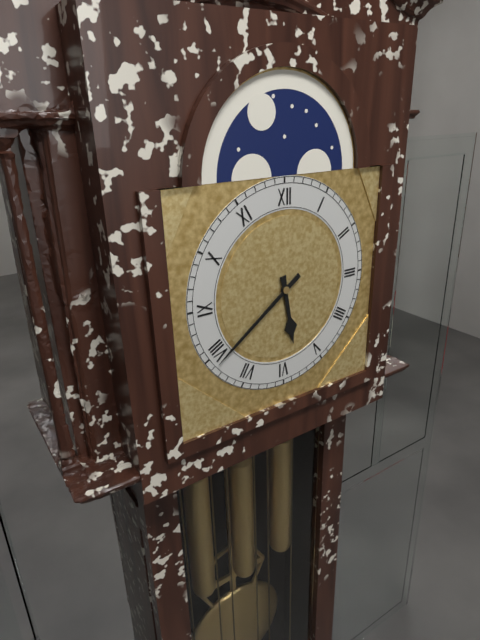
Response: 5:39
